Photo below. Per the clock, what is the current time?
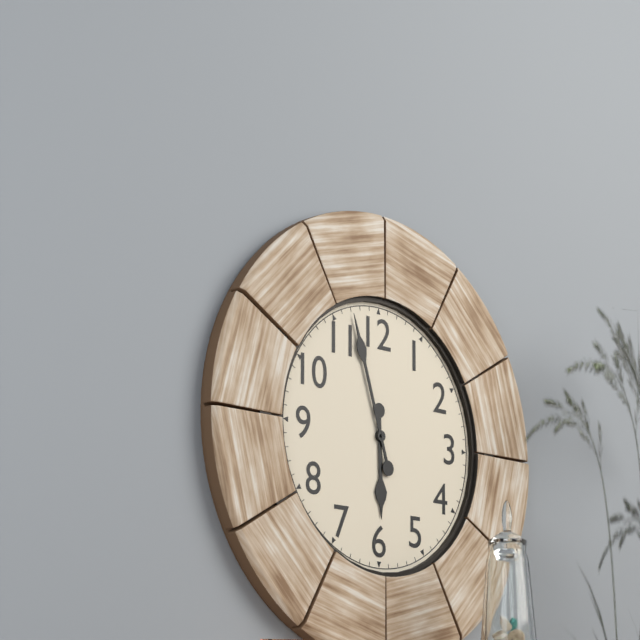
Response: 5:57
